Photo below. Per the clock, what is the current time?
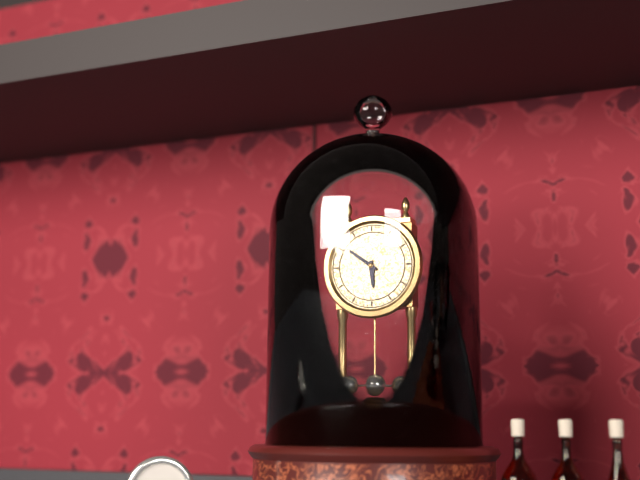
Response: 5:51
